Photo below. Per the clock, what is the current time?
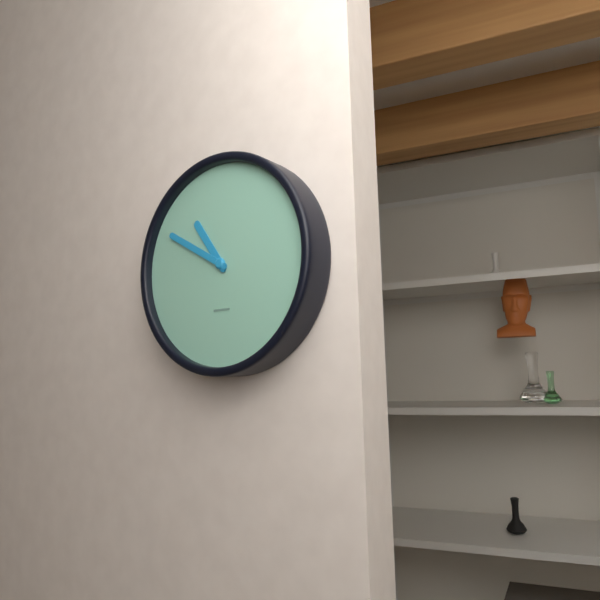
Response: 10:50
